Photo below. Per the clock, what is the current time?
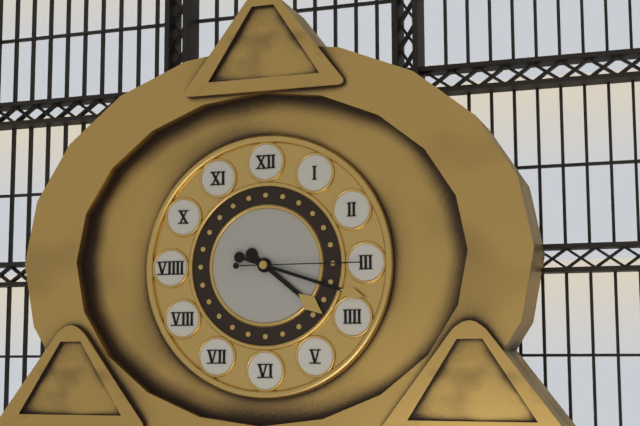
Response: 4:18:15
